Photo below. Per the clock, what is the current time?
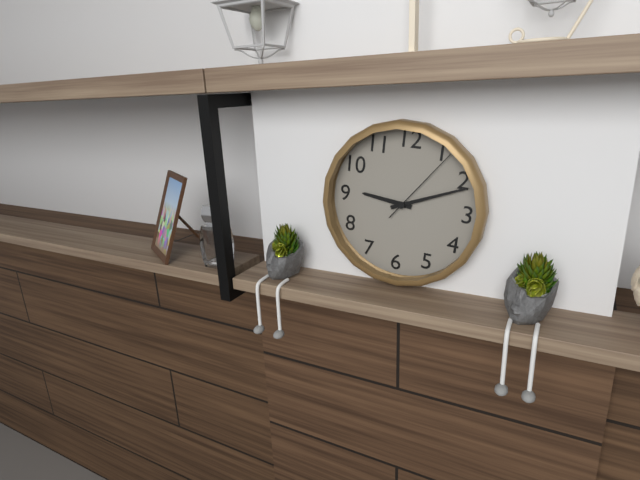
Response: 9:11:06
